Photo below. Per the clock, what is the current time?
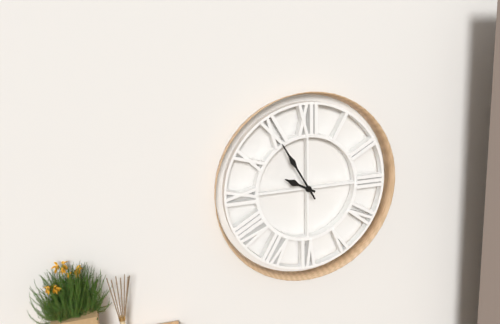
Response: 9:55
